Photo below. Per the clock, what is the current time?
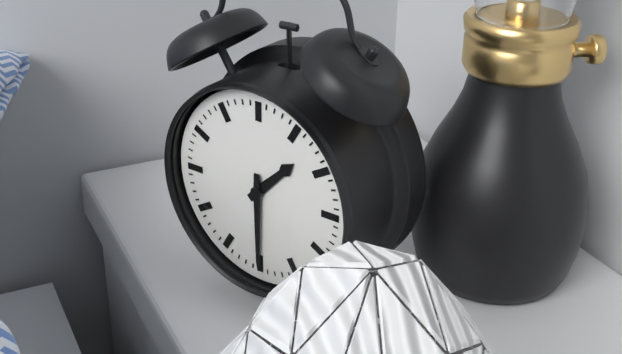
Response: 1:30
